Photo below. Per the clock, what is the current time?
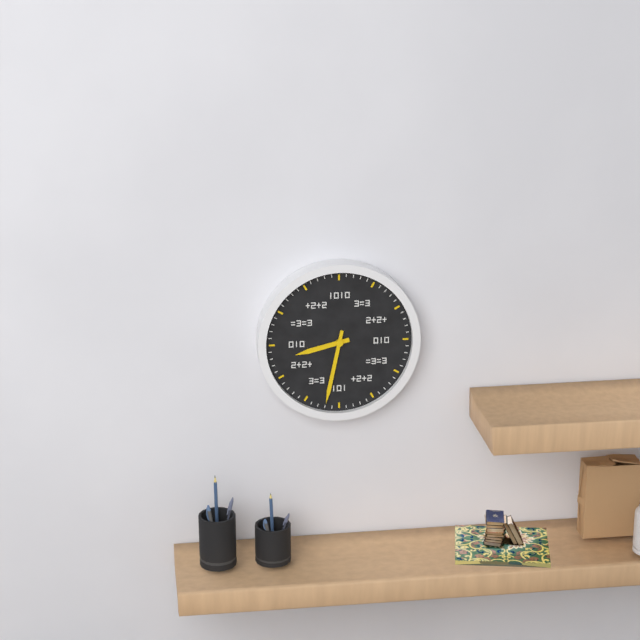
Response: 8:32
